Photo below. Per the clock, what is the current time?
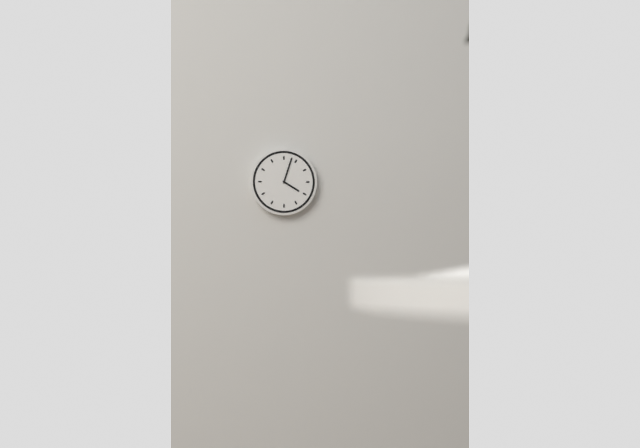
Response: 4:03
